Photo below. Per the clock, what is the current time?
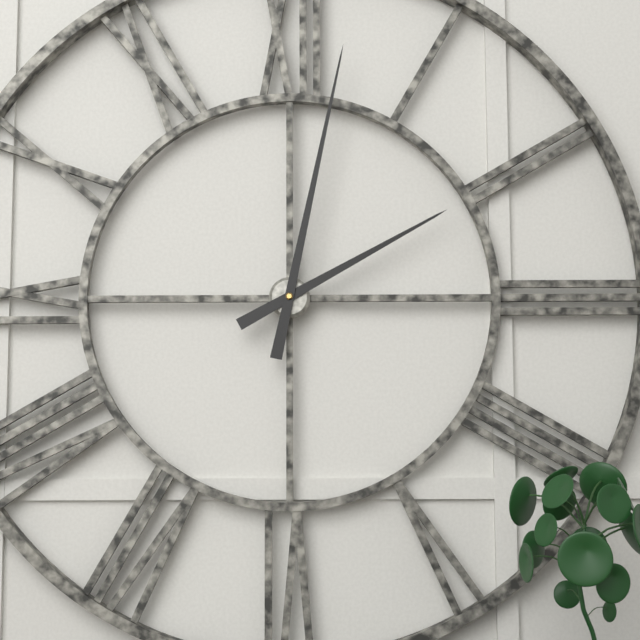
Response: 2:02
